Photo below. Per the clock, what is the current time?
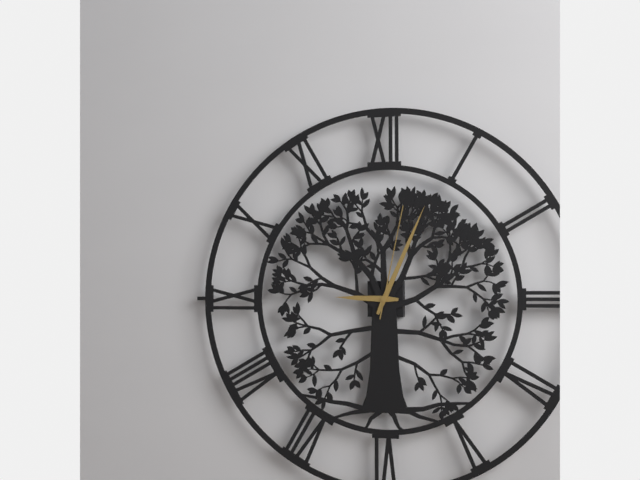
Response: 9:04:02
